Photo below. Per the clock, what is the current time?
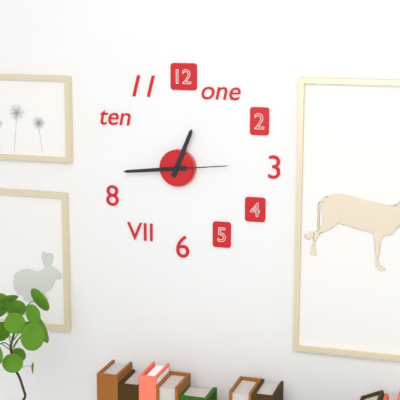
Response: 12:44:14
